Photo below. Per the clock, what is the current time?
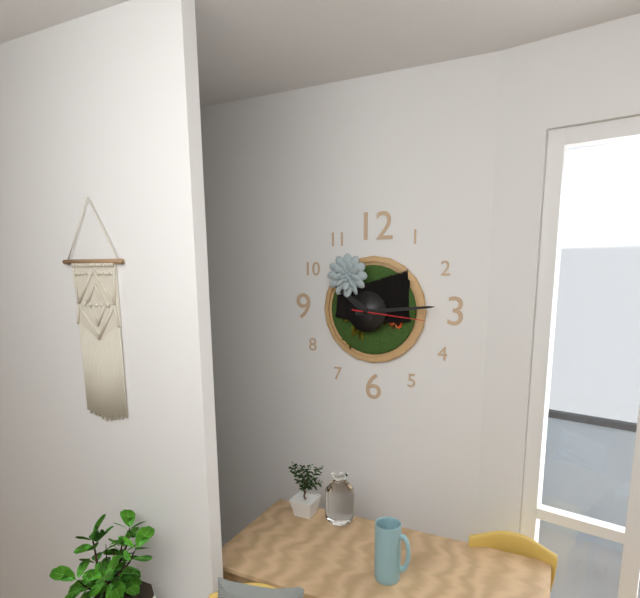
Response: 10:14:16
